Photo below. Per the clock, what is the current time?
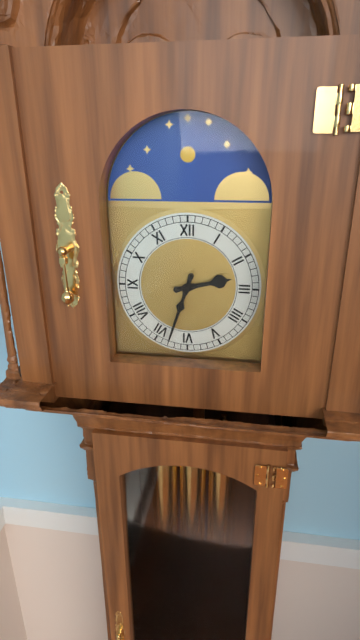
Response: 2:33
